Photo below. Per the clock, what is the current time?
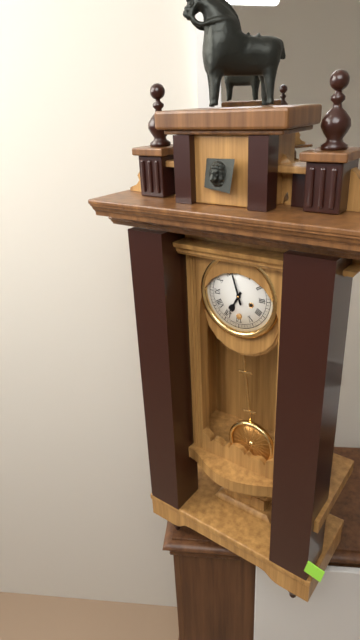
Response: 6:57
